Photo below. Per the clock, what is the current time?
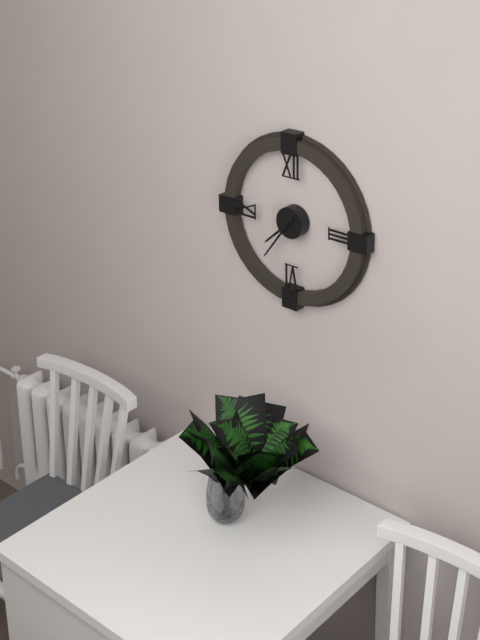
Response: 7:36
